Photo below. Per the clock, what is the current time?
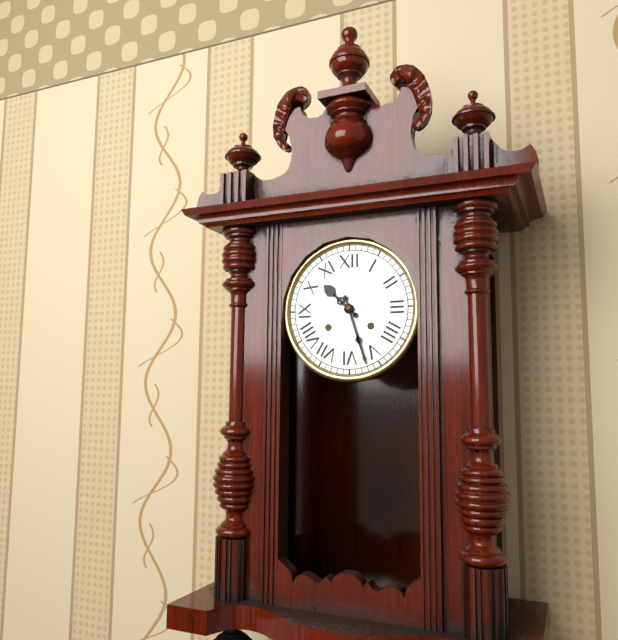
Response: 10:27
